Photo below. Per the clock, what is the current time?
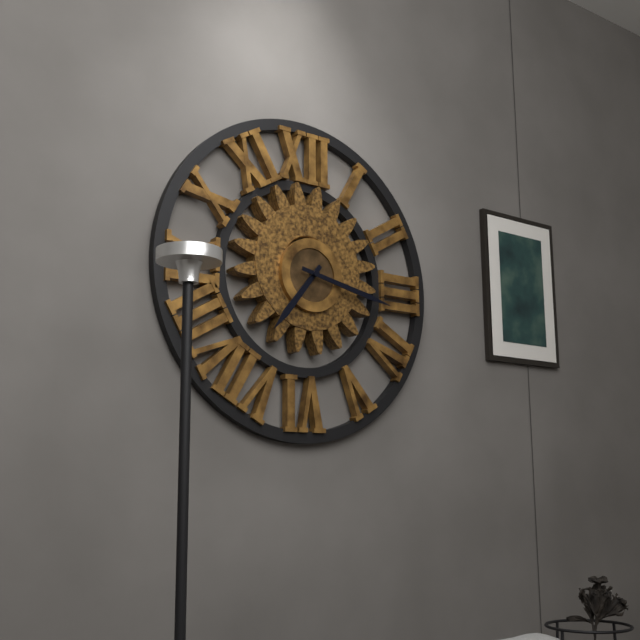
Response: 7:17
